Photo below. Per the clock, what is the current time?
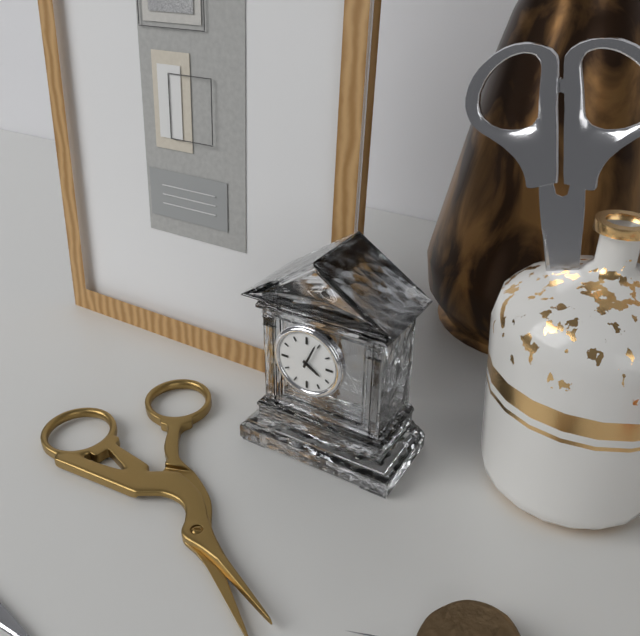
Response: 4:04
